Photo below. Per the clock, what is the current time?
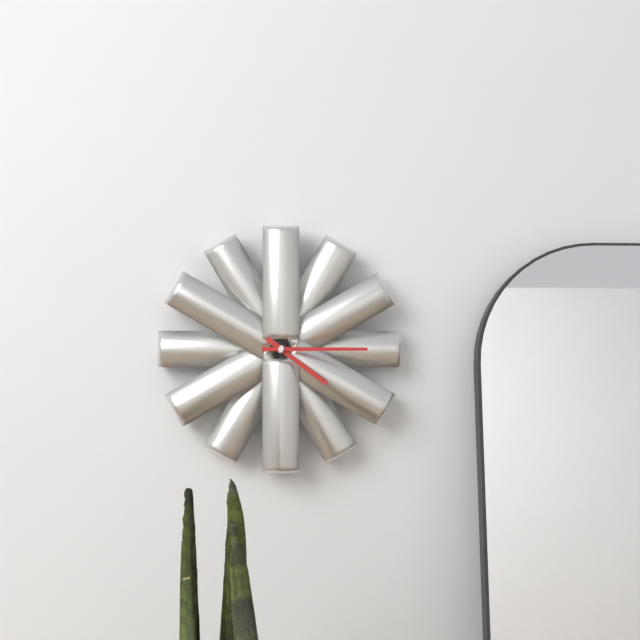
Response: 4:15
